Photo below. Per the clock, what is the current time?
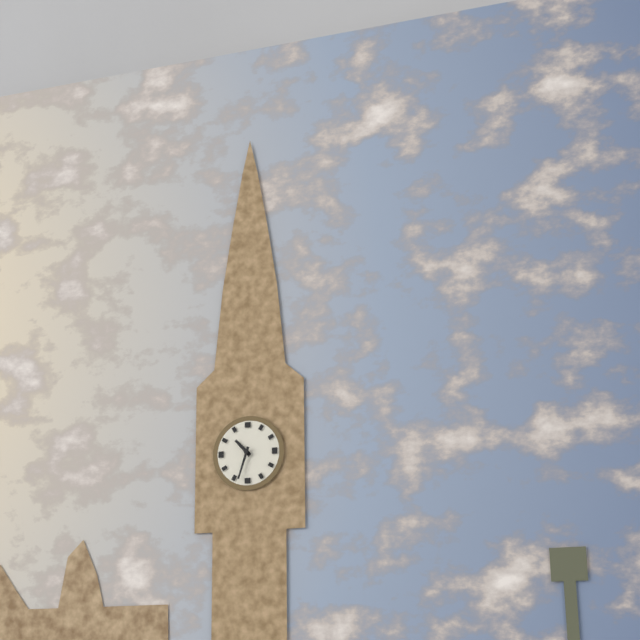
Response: 10:33
